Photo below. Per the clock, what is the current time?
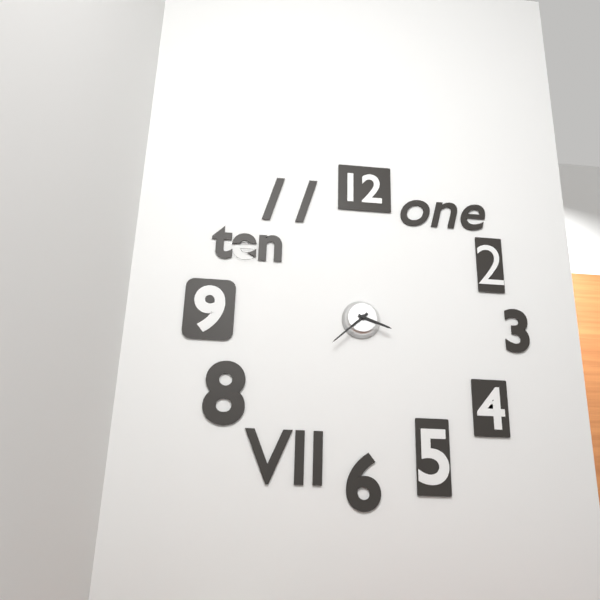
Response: 3:38
